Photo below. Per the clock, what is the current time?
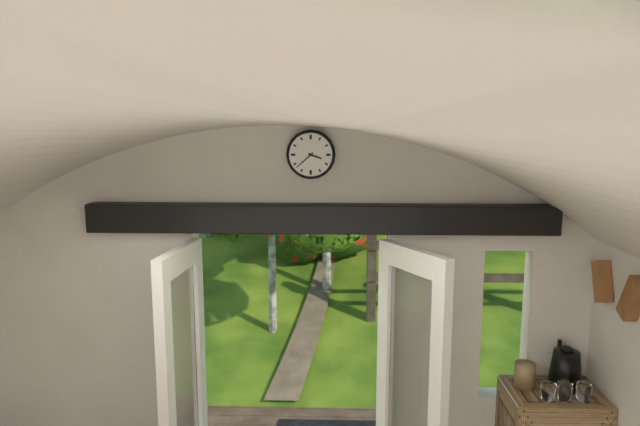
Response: 3:38
